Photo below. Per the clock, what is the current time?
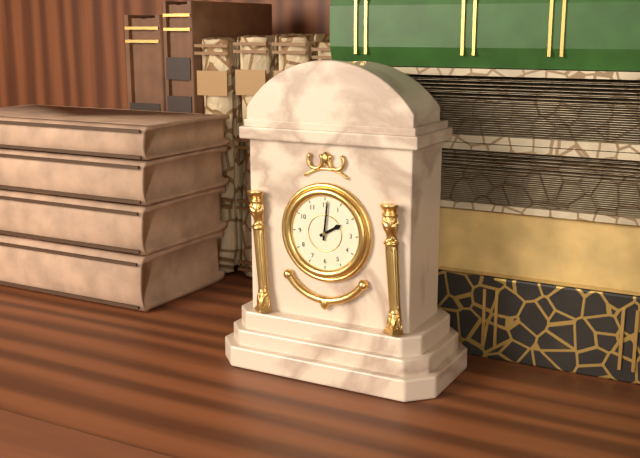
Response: 2:01
